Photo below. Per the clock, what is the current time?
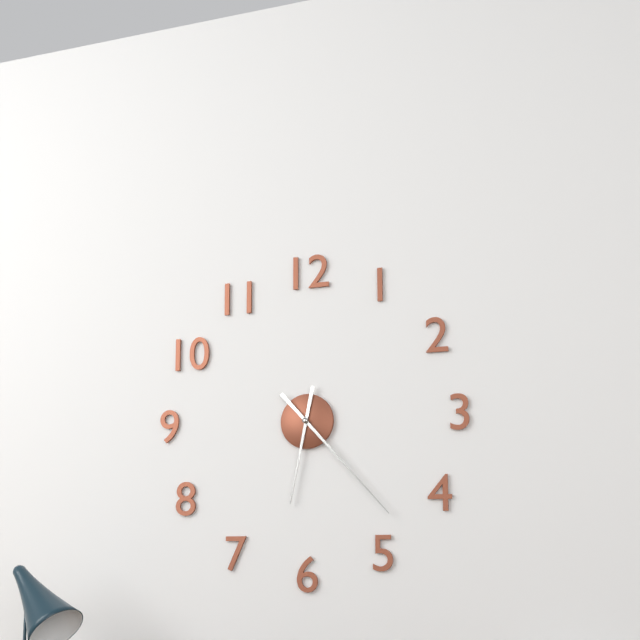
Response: 6:23
